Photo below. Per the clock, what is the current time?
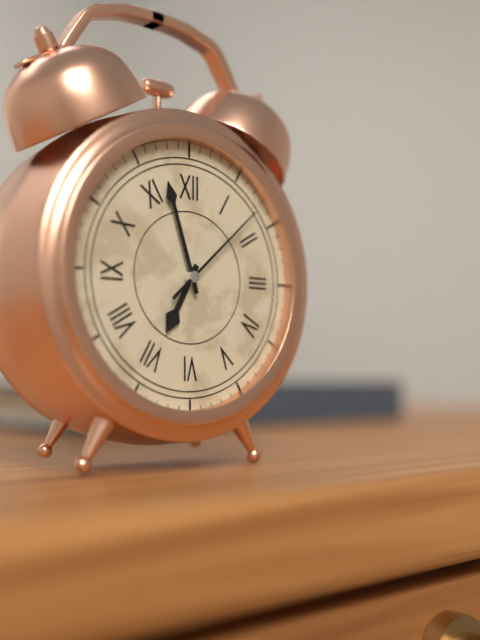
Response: 6:57:08
